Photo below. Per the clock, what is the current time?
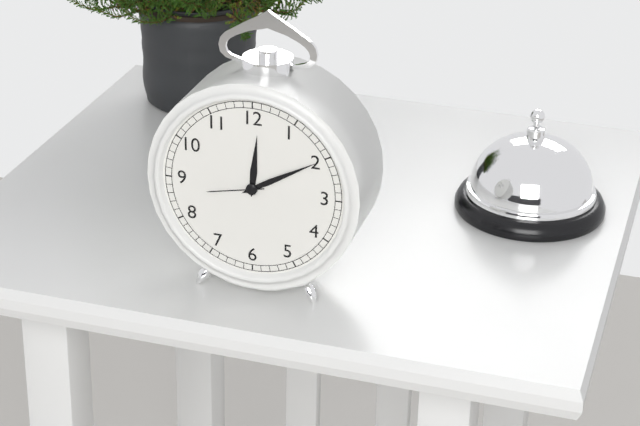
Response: 12:10:43
